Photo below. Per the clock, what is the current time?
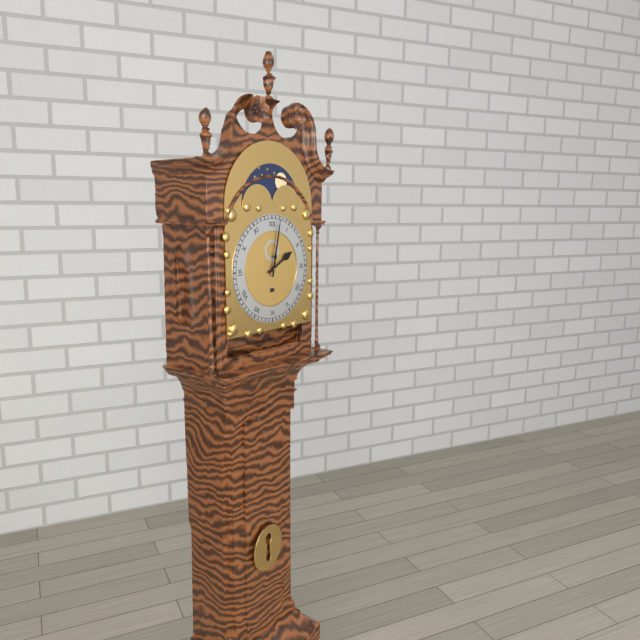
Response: 2:02
